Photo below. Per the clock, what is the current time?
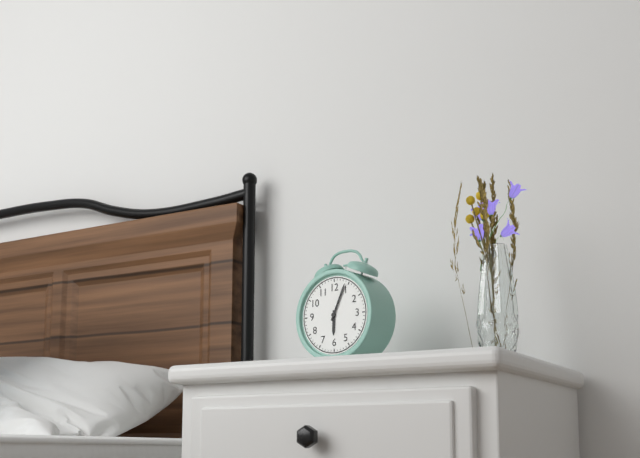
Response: 6:04
